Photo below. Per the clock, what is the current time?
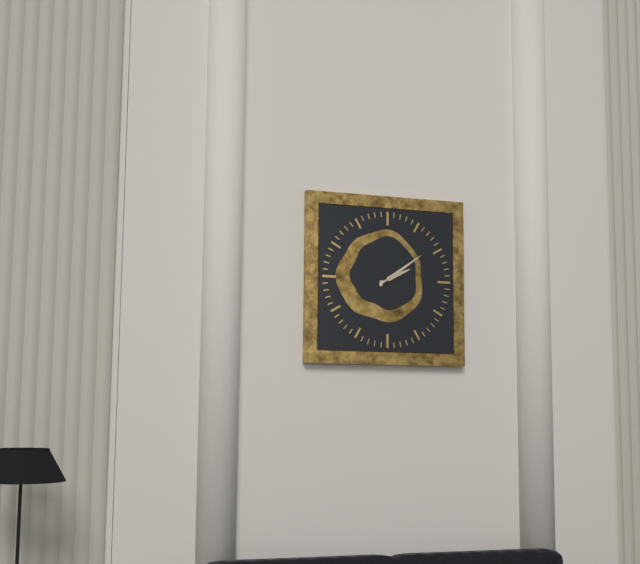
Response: 2:09
